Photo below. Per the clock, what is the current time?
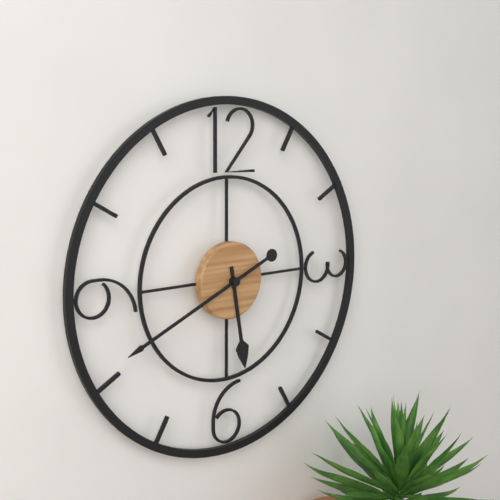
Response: 5:41
